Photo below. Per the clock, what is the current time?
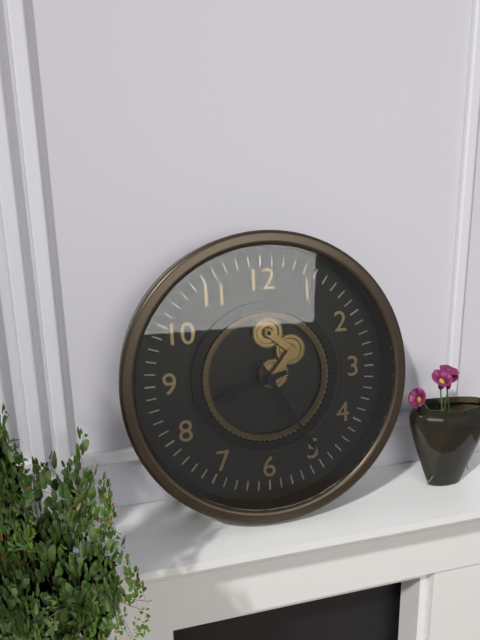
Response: 8:25
